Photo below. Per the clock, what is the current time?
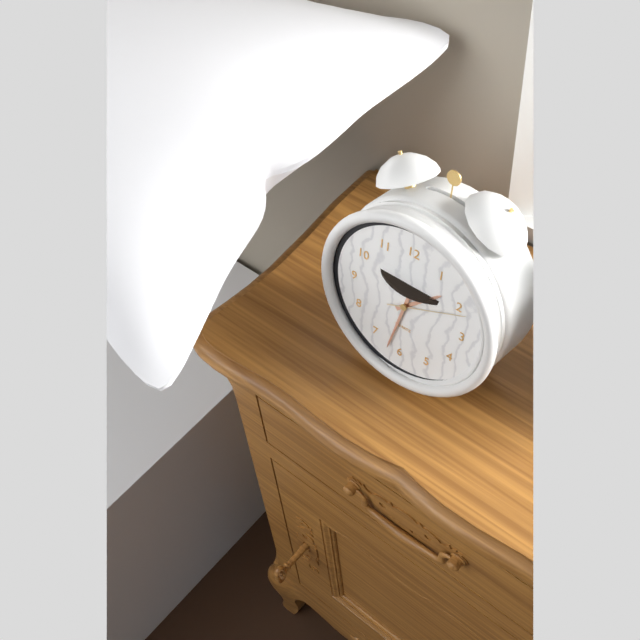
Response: 1:32:11
